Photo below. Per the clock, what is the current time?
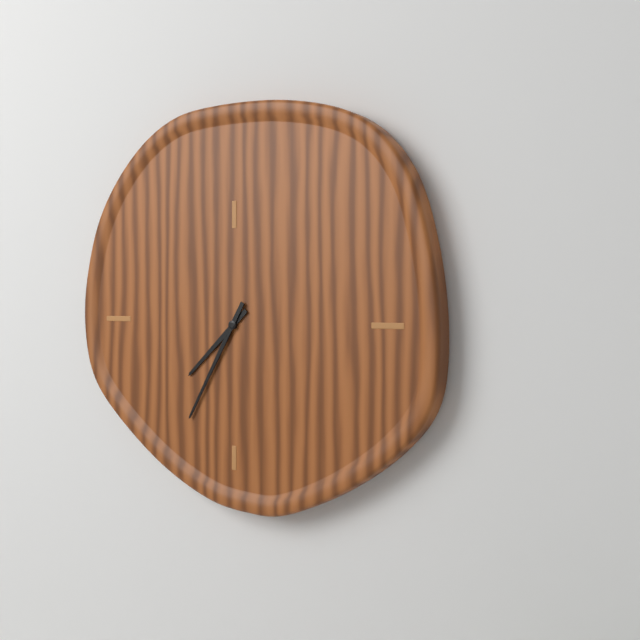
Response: 7:35
